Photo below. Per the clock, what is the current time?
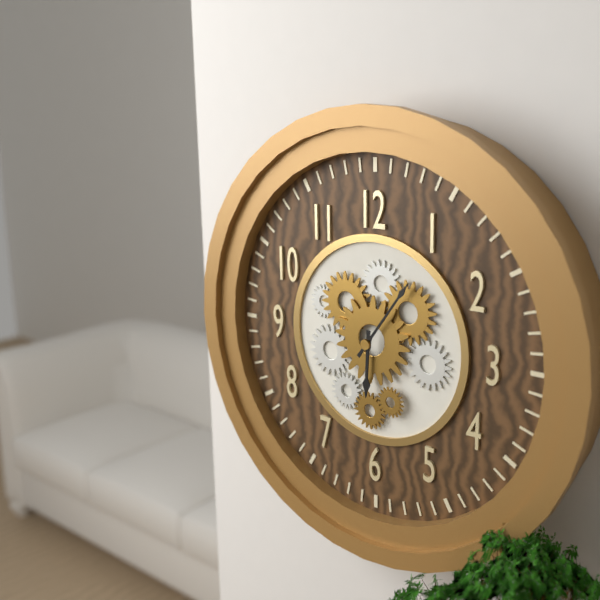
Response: 6:06
